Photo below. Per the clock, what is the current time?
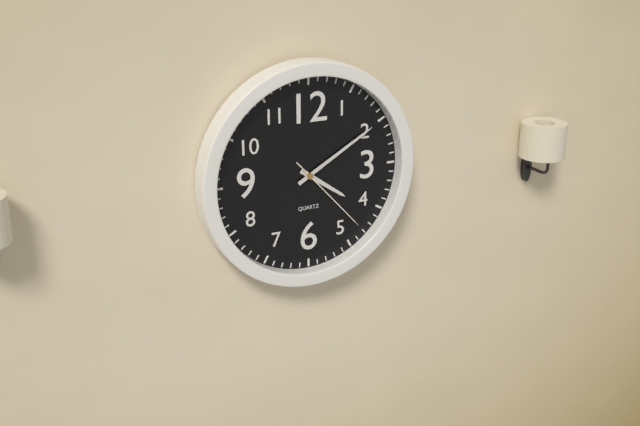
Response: 4:10:23
